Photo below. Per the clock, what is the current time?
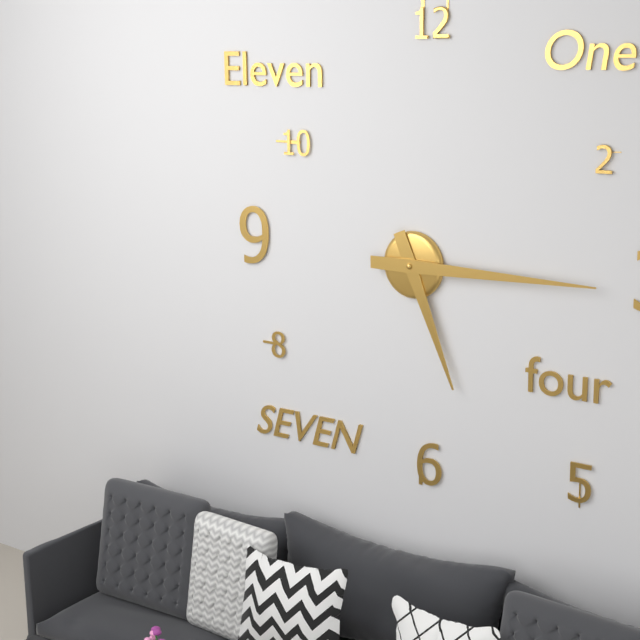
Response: 5:15
